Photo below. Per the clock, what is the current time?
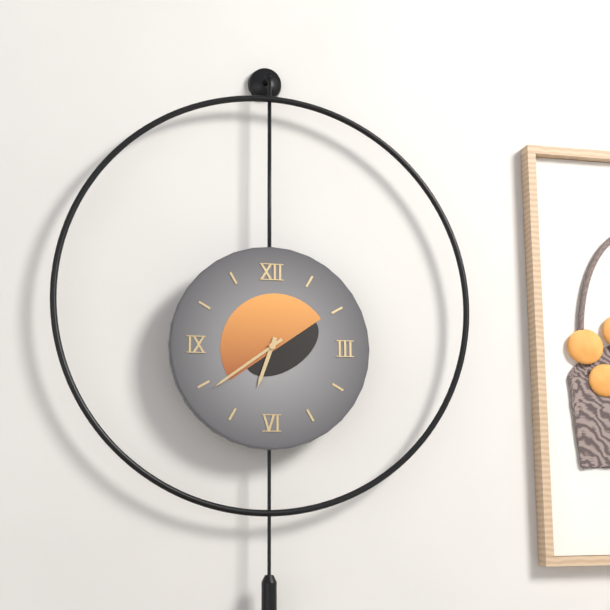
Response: 6:39
